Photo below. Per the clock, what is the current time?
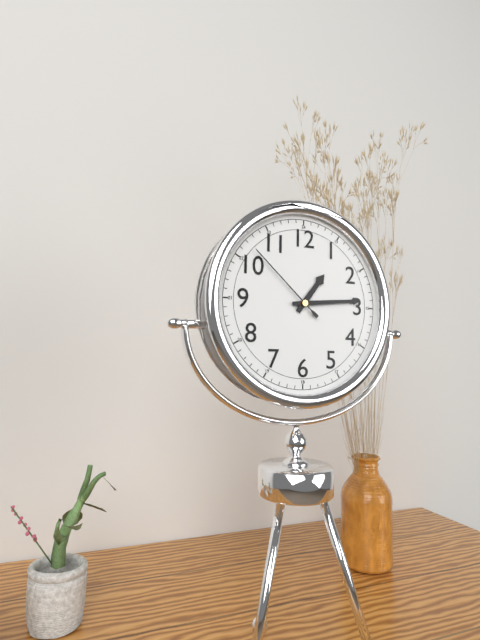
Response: 1:14:52
